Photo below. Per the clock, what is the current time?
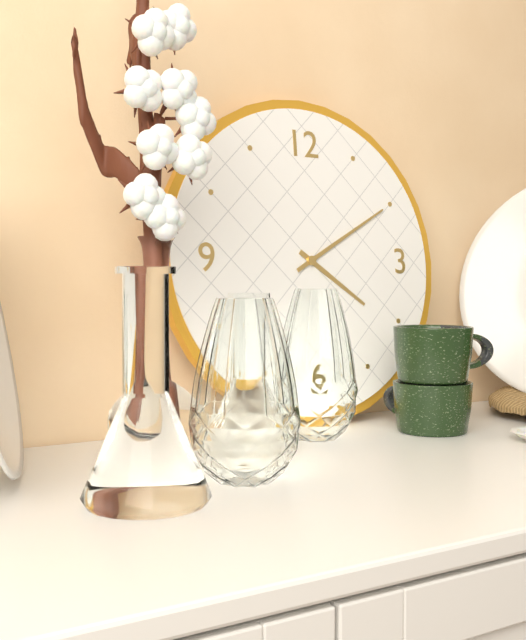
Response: 4:10
